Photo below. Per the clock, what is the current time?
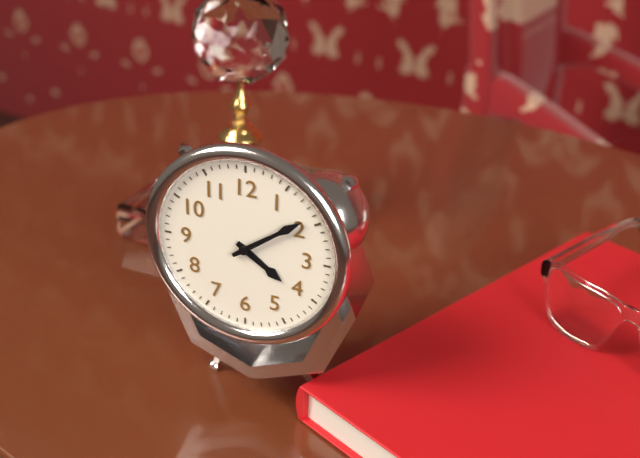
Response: 4:09
